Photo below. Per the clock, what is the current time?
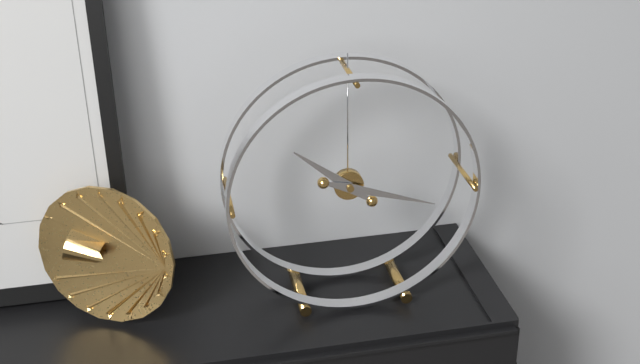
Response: 10:18
